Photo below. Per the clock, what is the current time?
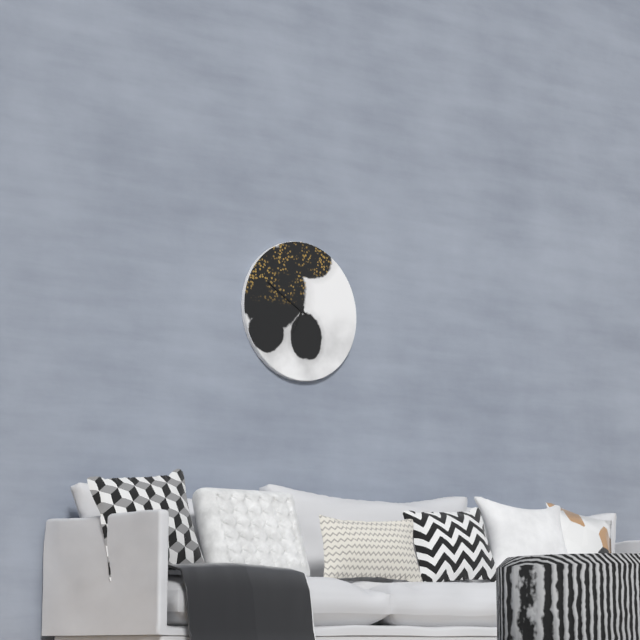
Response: 6:50
